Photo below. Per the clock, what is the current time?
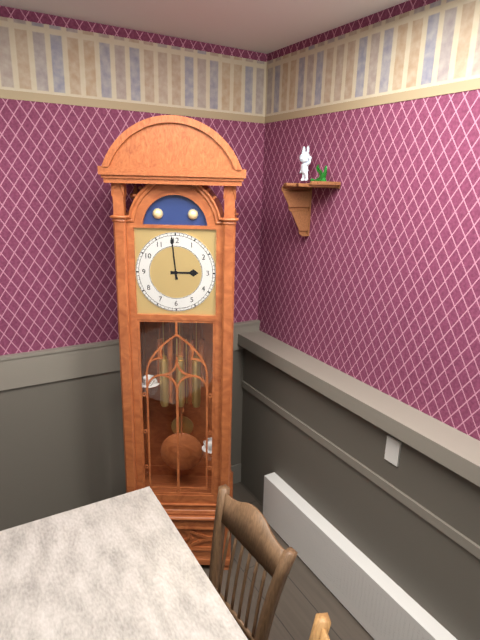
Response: 2:59
